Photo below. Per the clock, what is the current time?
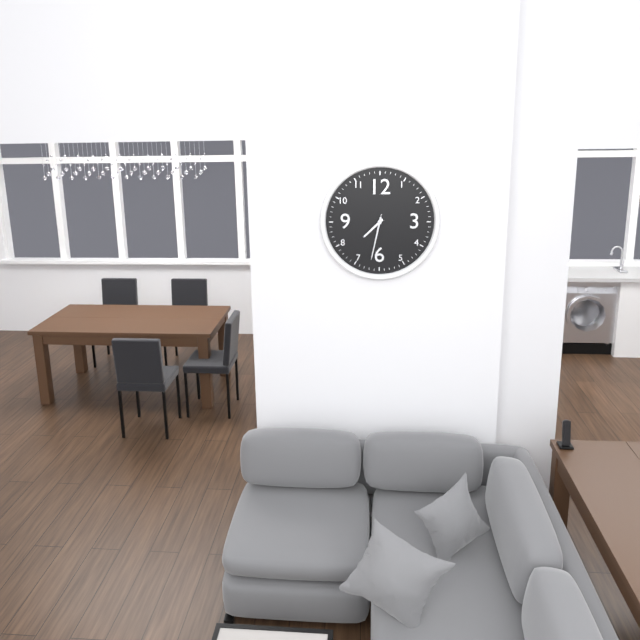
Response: 7:32
